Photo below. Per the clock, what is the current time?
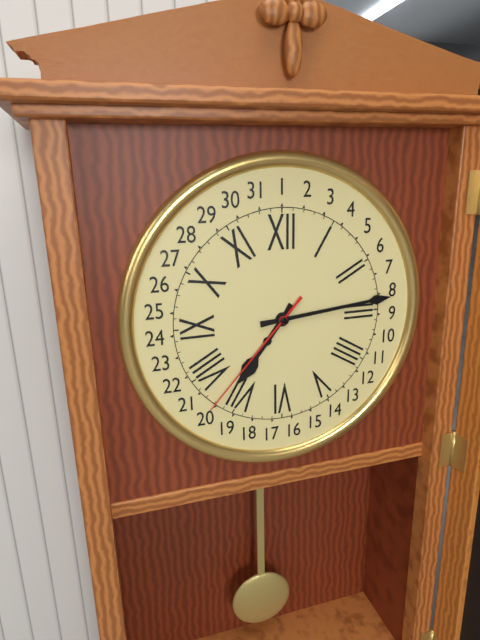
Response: 7:14:37
